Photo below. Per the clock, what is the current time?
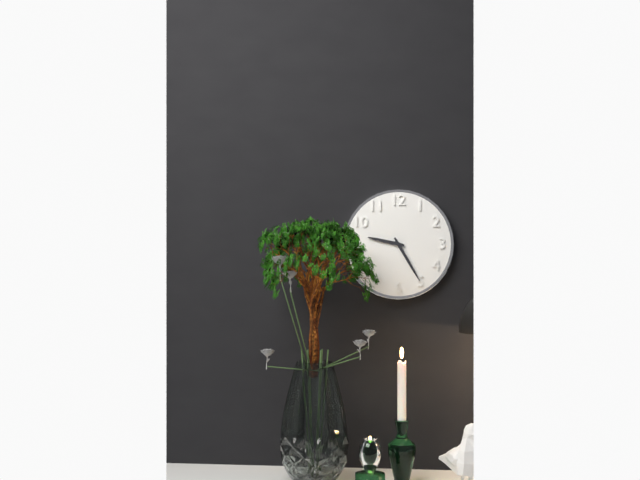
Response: 9:25
